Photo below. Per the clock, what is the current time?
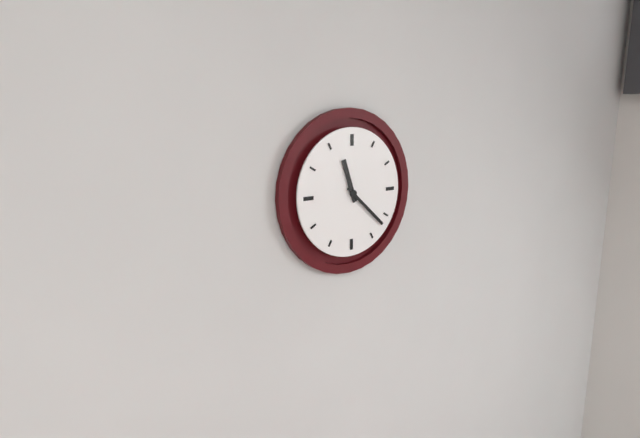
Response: 11:22
